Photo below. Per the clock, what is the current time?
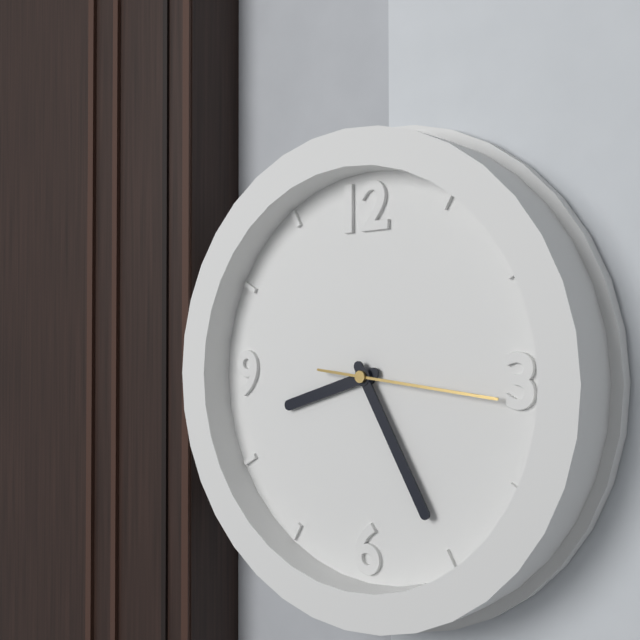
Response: 8:25:16
